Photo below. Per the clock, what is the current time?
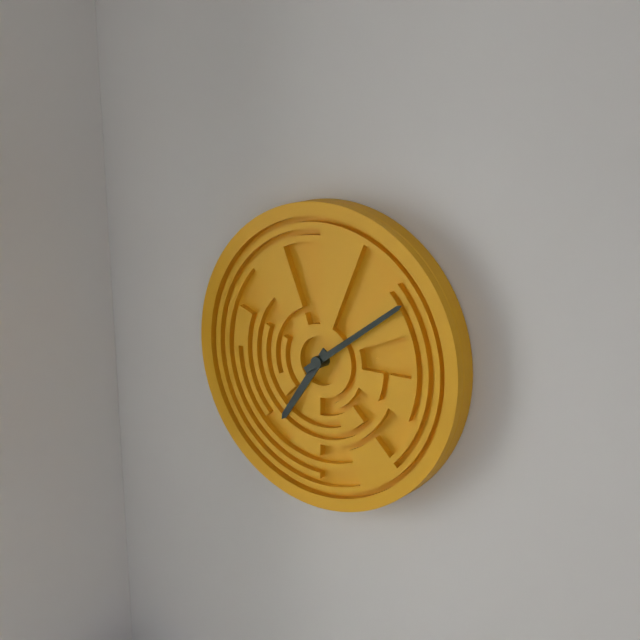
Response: 7:09
